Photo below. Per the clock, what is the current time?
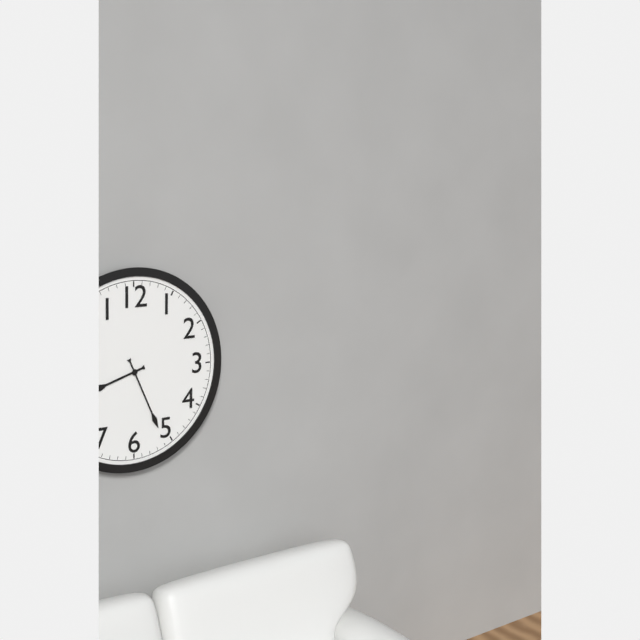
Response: 8:26
